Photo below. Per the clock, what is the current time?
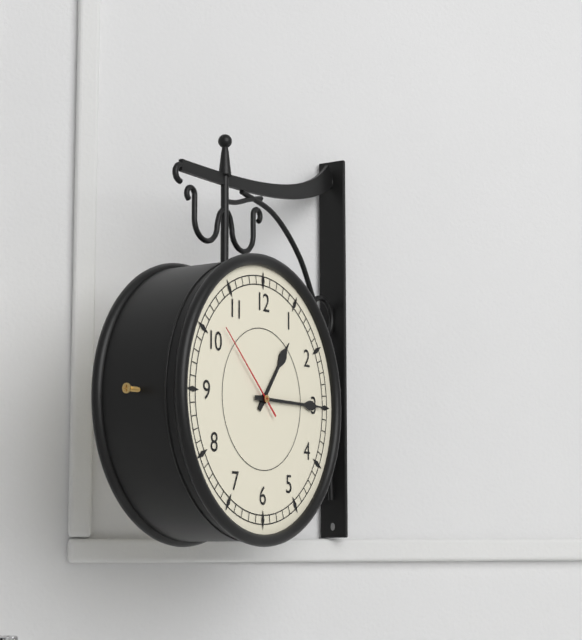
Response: 1:15:52
